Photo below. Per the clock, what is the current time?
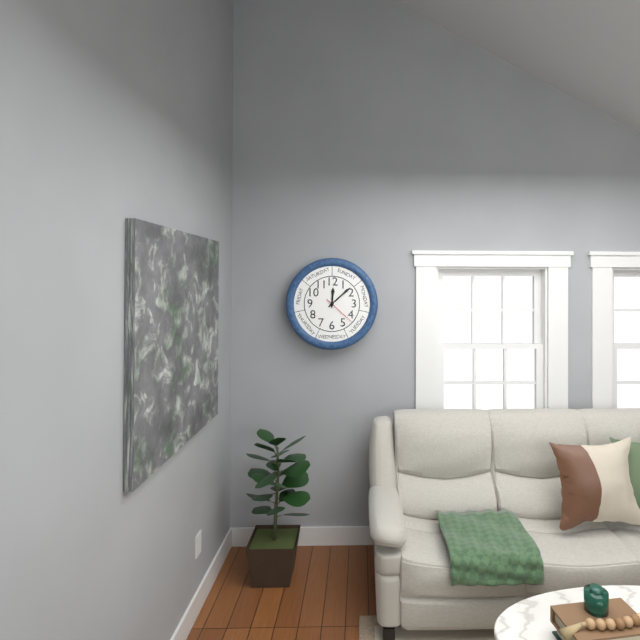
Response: 12:08
